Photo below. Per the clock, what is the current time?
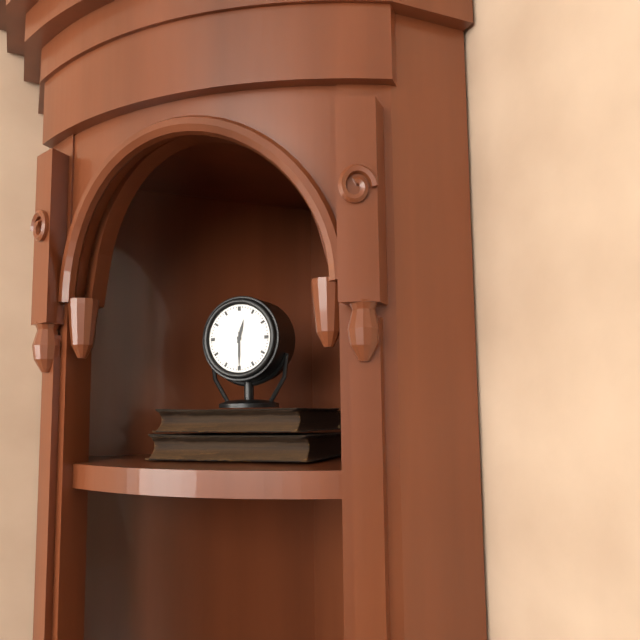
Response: 12:30
